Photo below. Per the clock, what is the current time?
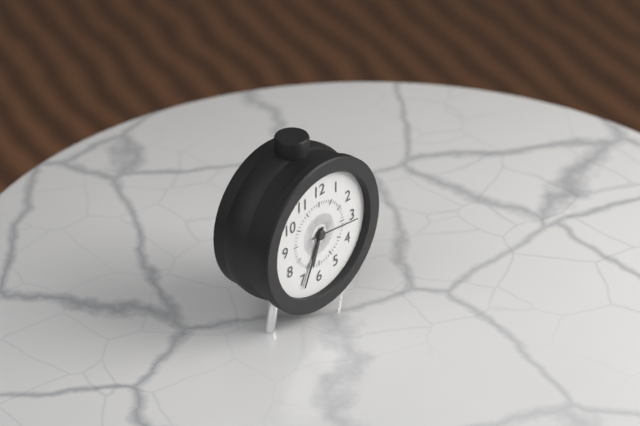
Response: 6:34:16
